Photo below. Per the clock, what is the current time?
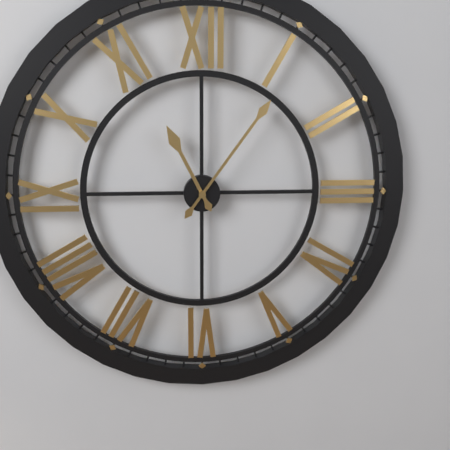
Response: 11:06
